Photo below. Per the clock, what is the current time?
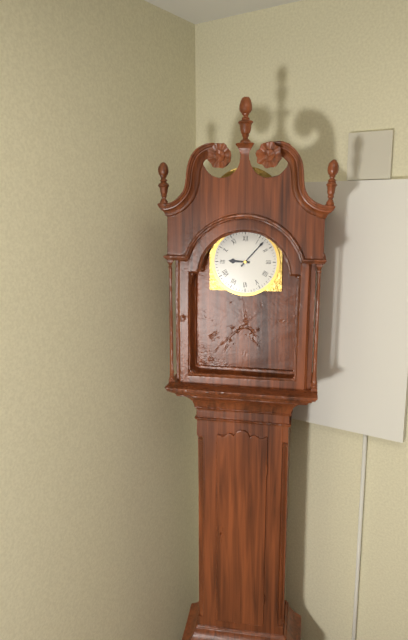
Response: 9:07
